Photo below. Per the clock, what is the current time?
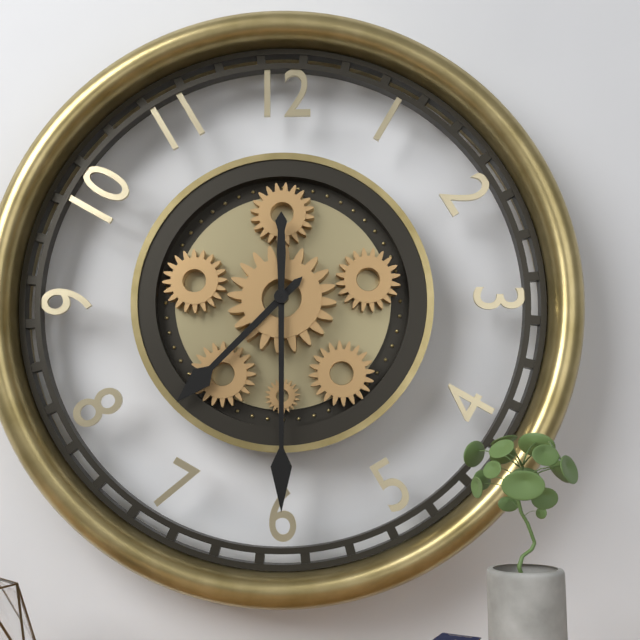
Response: 7:30
